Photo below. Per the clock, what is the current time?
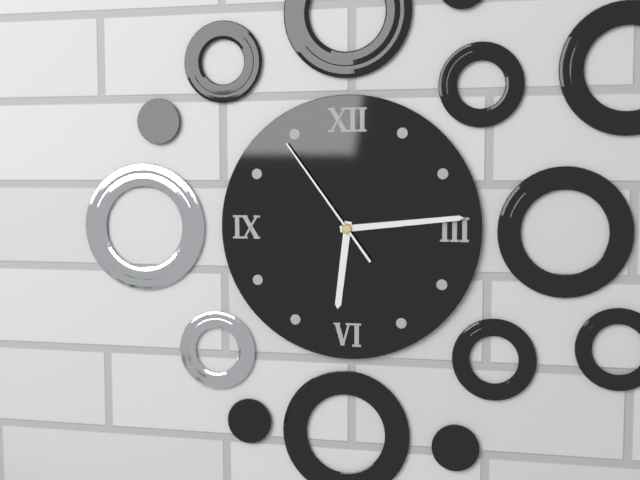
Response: 6:14:54
